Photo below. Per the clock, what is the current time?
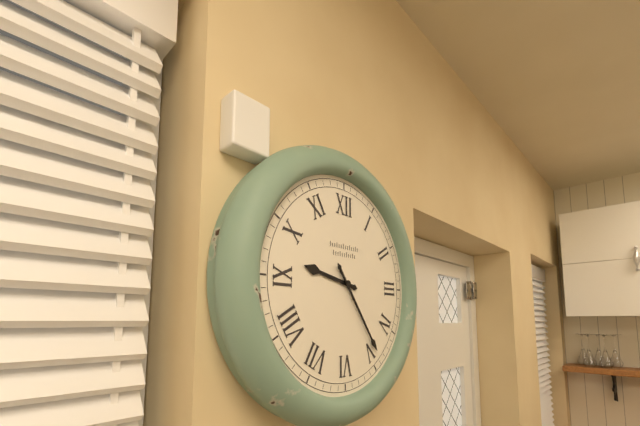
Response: 9:24
